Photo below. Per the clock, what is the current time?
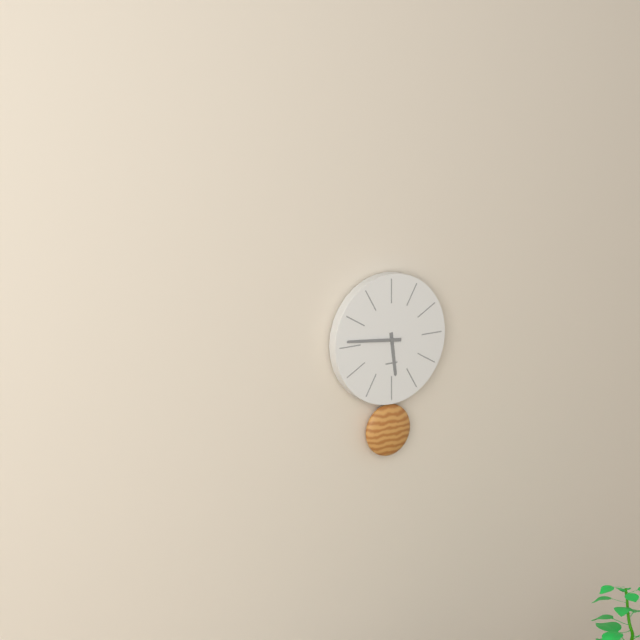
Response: 5:46
